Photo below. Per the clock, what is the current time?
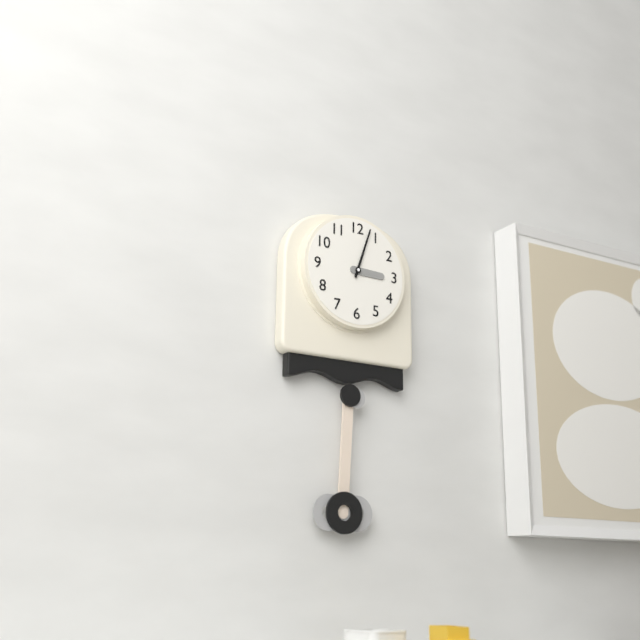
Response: 3:03
